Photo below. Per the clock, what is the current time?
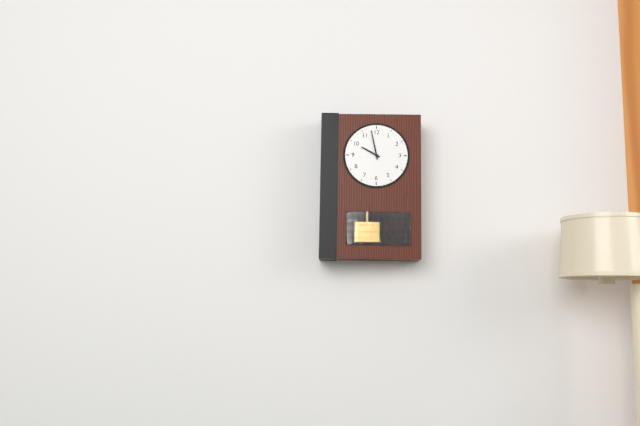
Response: 9:58
